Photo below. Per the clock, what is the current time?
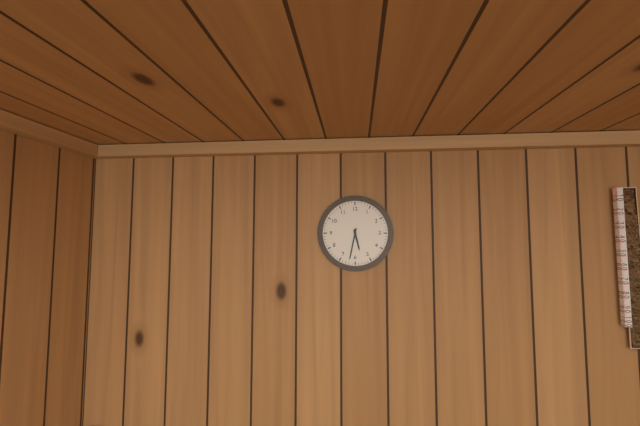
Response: 5:32
